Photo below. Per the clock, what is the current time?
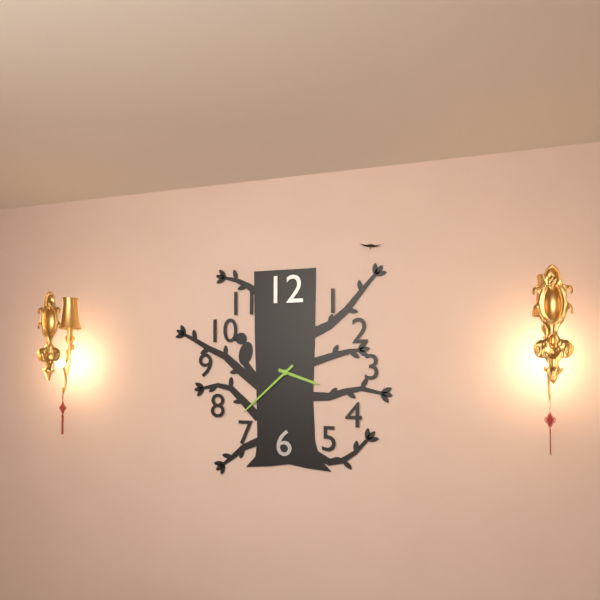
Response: 3:38
